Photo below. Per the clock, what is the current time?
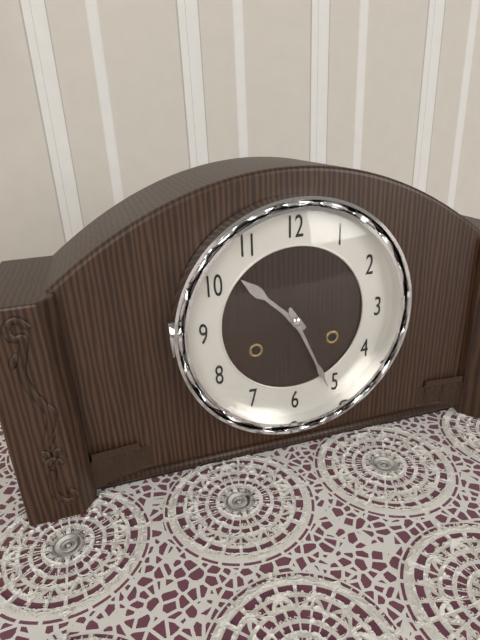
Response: 10:26
